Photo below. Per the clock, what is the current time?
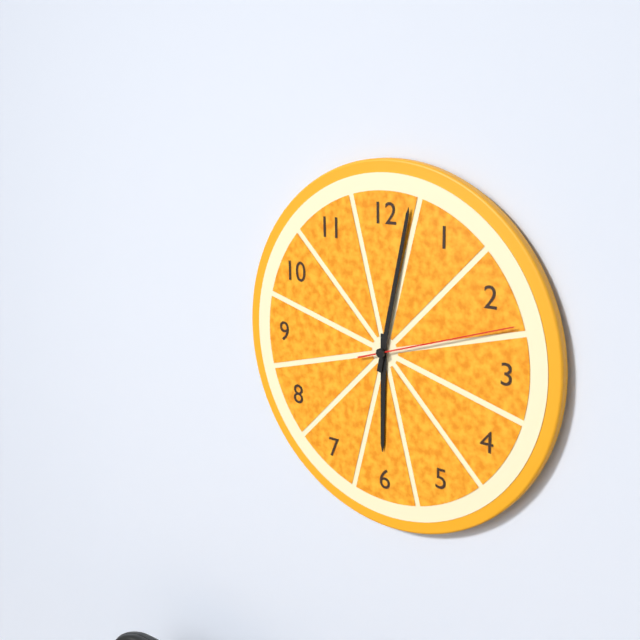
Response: 6:02:12
